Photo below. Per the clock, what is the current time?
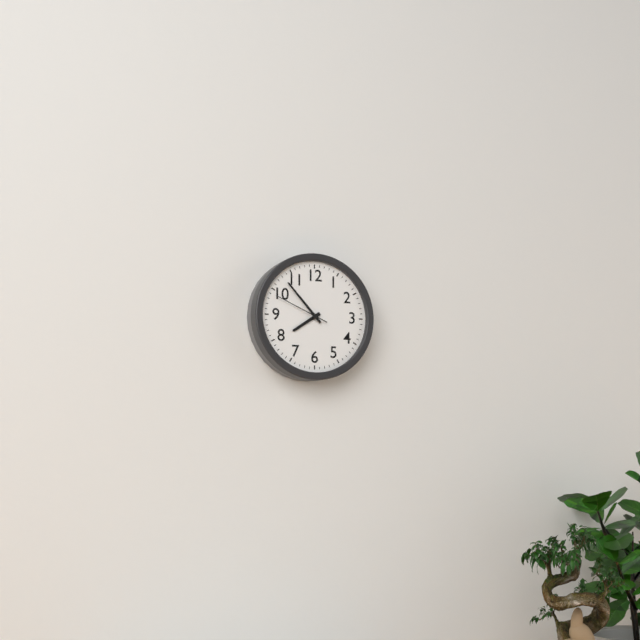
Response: 7:53
